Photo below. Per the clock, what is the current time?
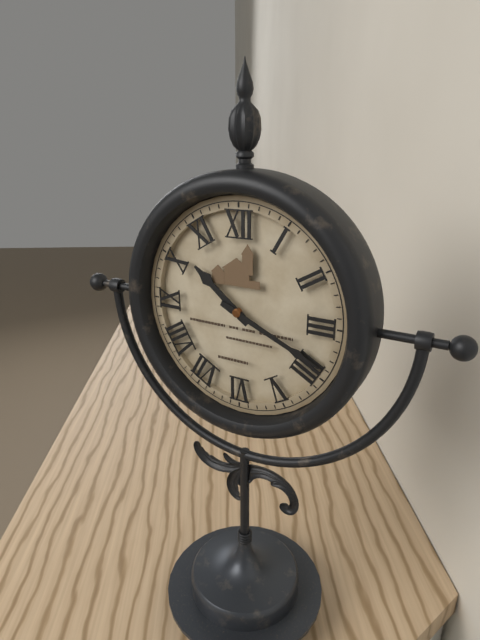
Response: 10:19
